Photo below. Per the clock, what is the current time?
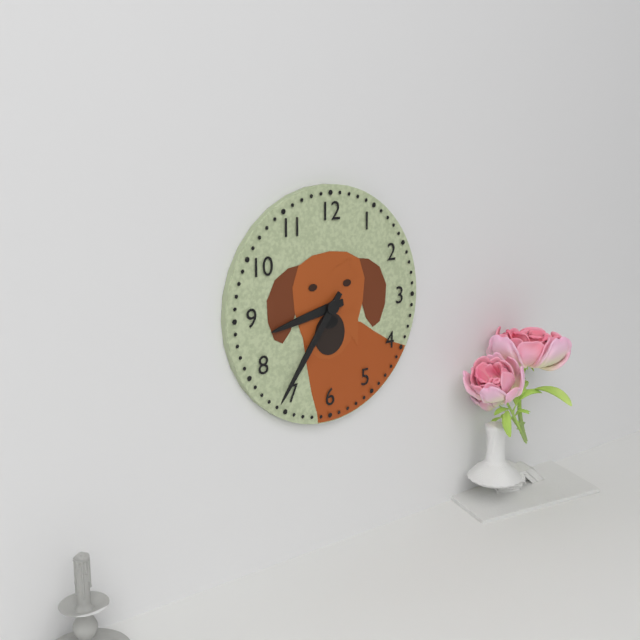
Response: 8:36
